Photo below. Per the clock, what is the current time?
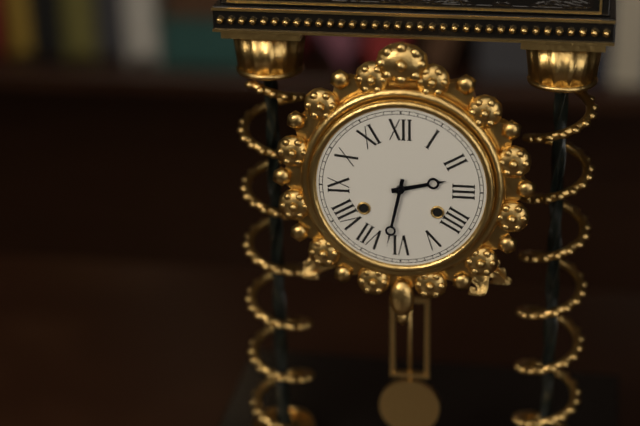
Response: 2:32
